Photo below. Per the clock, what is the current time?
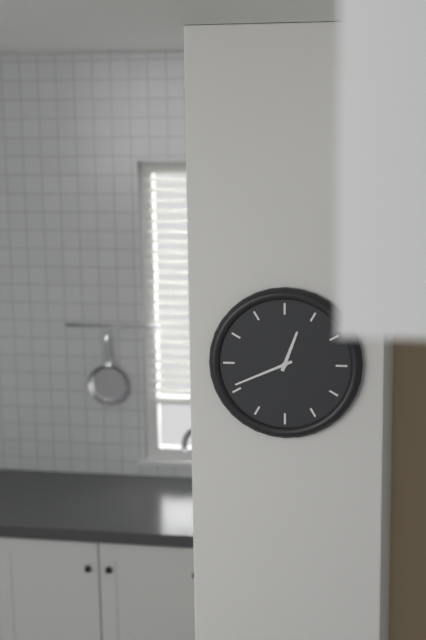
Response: 12:41
